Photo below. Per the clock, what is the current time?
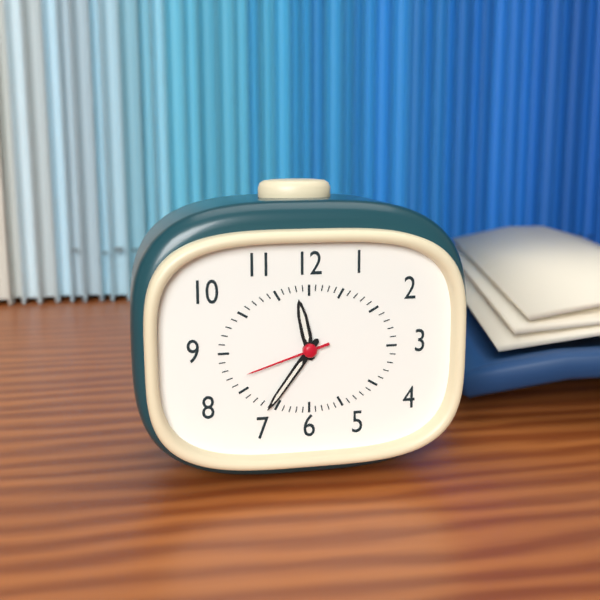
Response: 11:36:42
